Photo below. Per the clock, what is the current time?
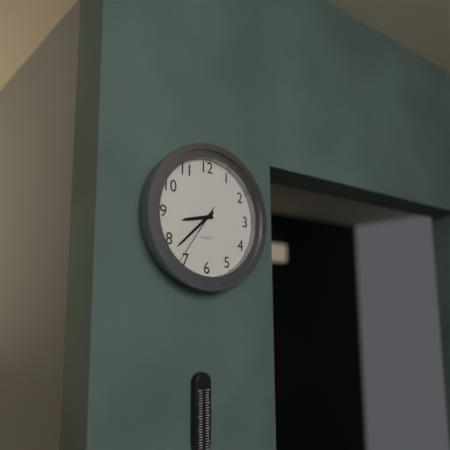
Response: 8:38:36
